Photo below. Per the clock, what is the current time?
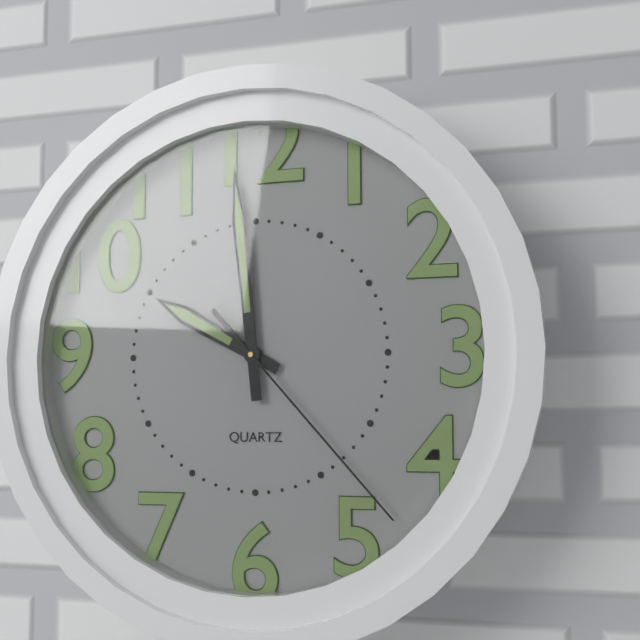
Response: 9:59:23
